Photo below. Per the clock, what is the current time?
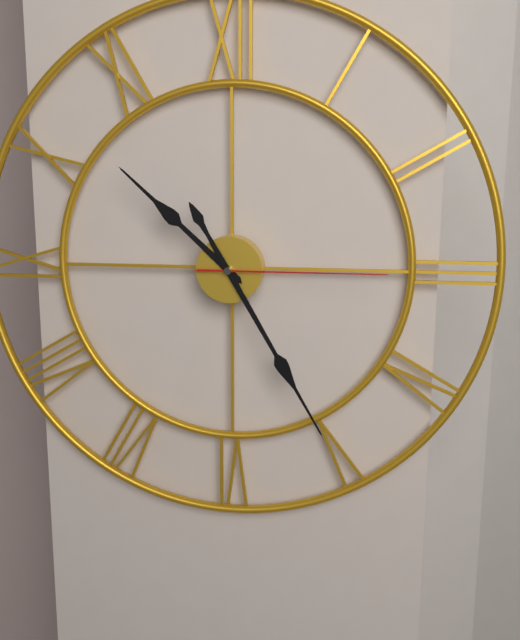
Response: 10:25:15
